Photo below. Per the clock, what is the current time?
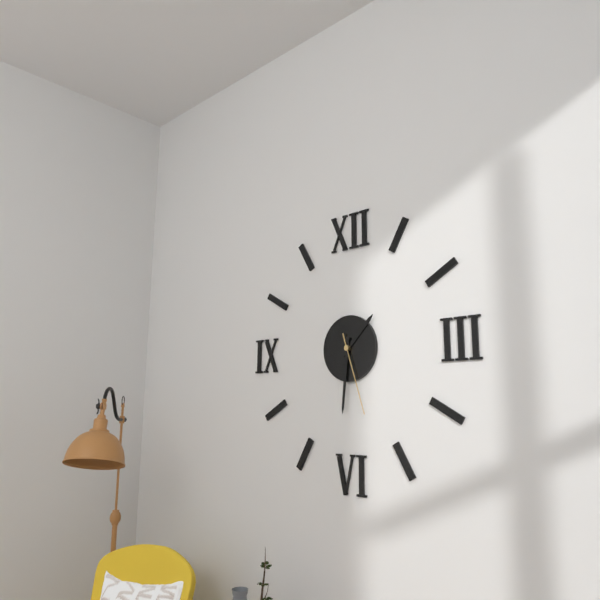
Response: 1:31:27
